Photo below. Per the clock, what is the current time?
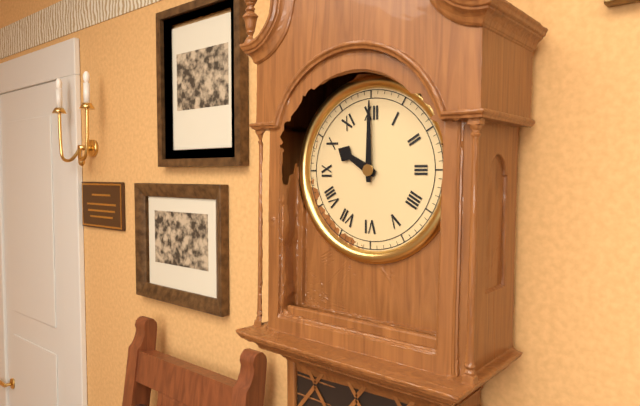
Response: 10:00
